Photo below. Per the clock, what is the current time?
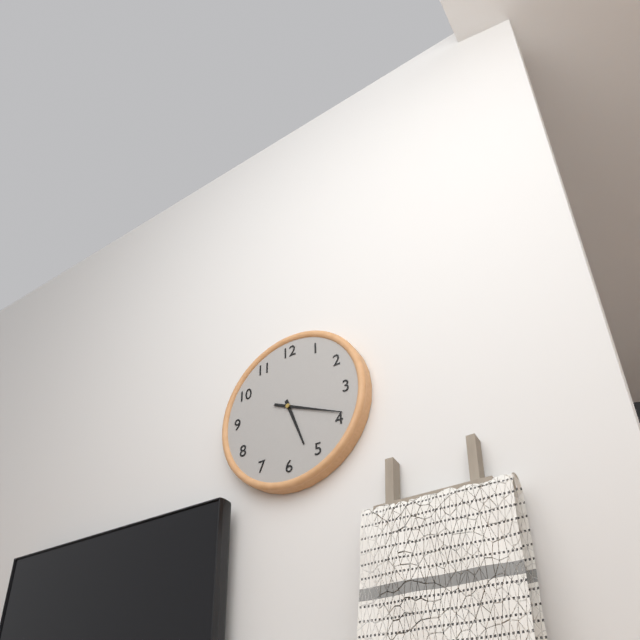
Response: 5:19
